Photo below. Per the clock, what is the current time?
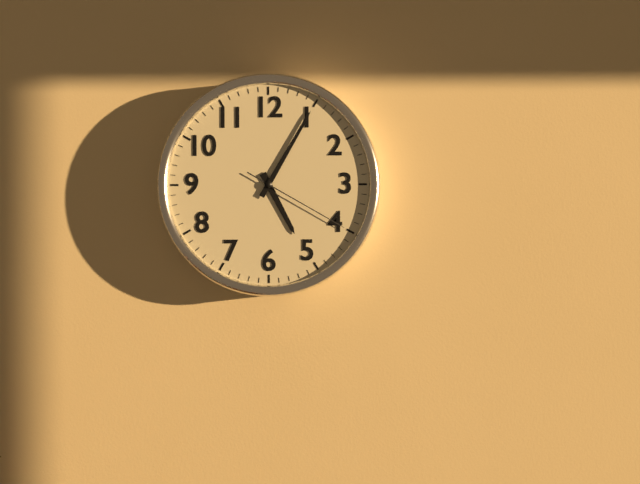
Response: 5:05:20
